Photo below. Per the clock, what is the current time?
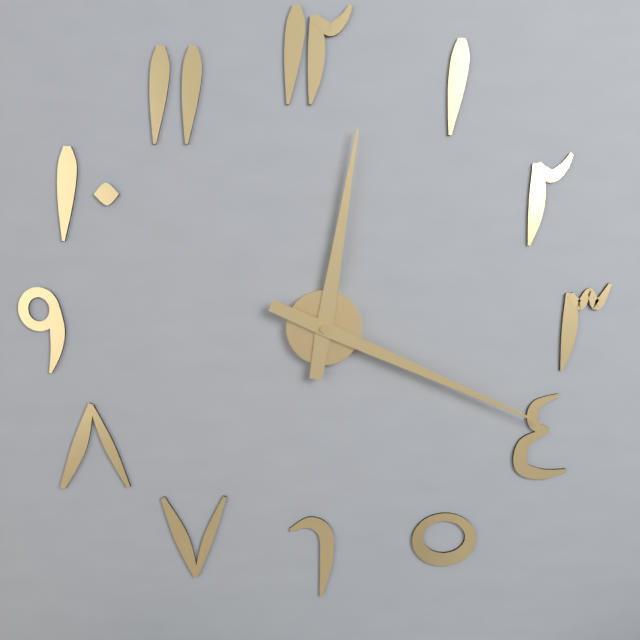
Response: 12:19
